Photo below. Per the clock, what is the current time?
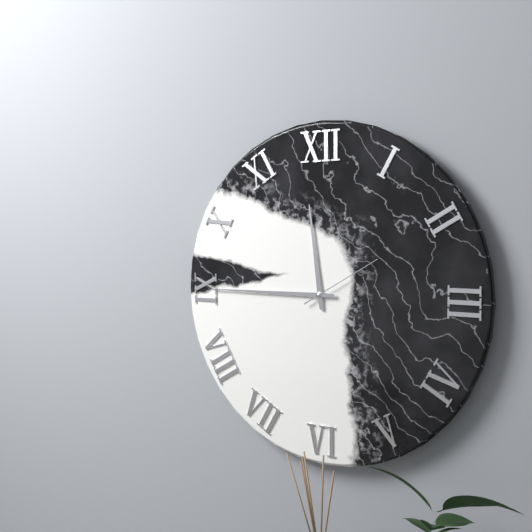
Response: 11:45:10
